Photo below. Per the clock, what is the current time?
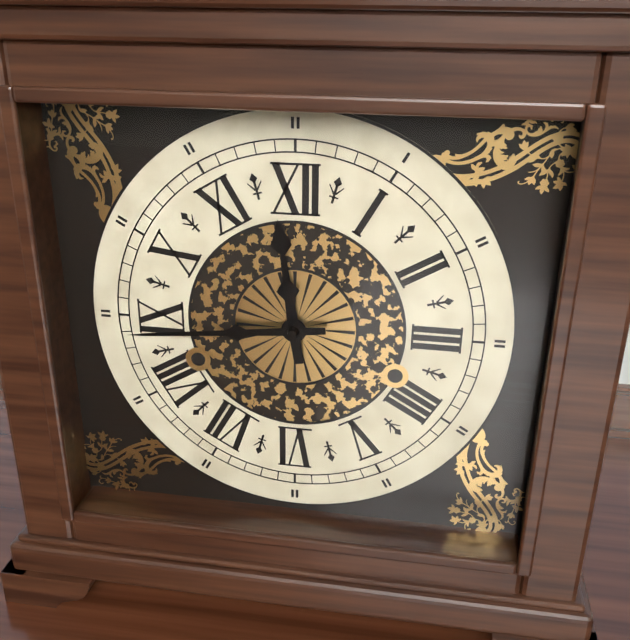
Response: 11:44
